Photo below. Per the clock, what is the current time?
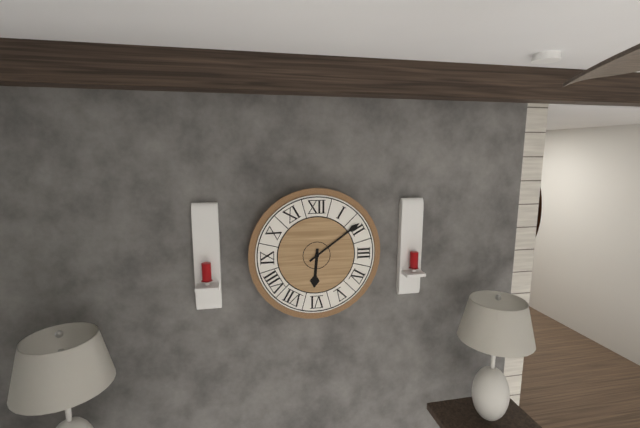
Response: 6:09
